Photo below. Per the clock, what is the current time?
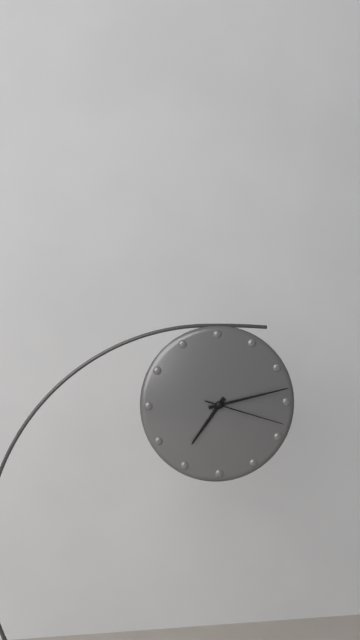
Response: 7:13:18
